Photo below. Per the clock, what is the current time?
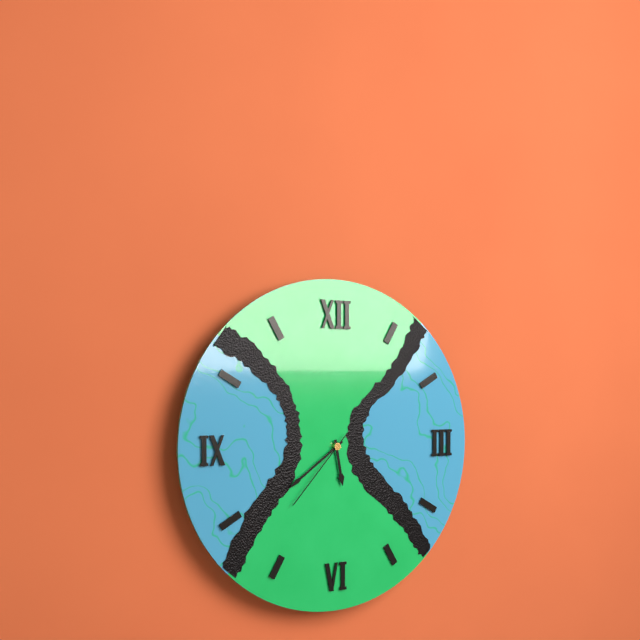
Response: 5:39:37
